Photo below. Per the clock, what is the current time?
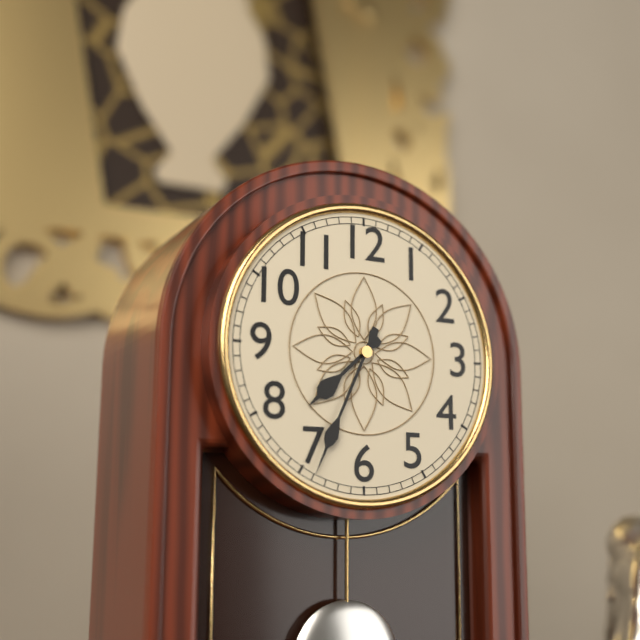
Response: 7:34
